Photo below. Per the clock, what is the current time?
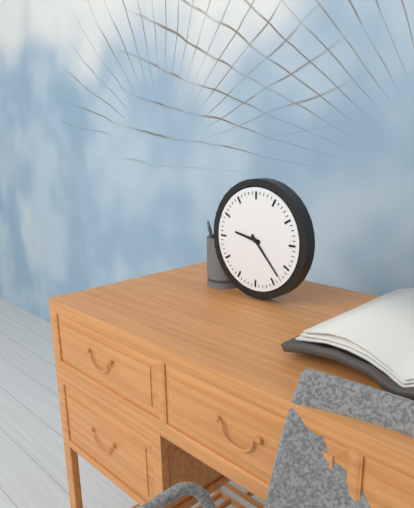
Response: 9:23
